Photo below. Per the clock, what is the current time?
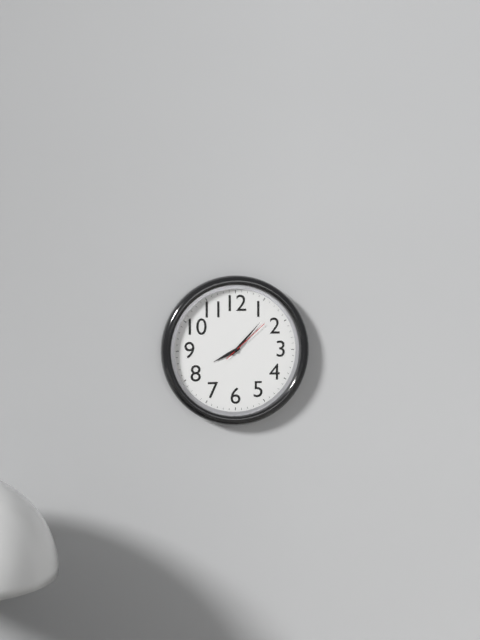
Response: 8:07
